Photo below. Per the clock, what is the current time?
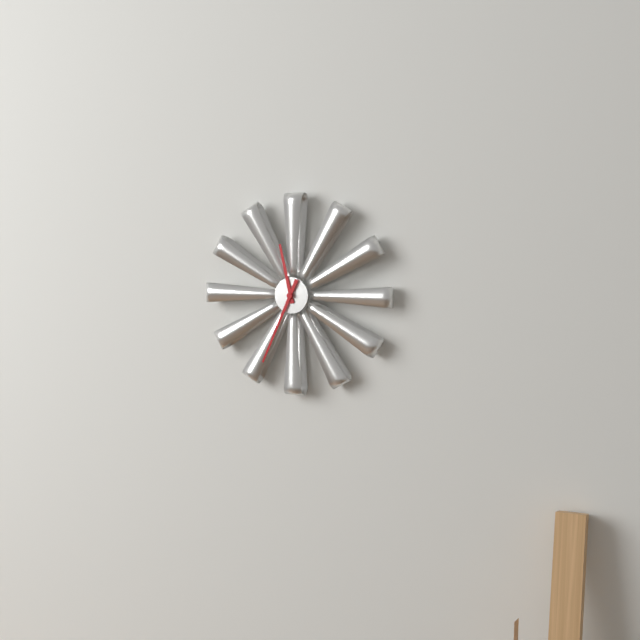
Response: 11:34
